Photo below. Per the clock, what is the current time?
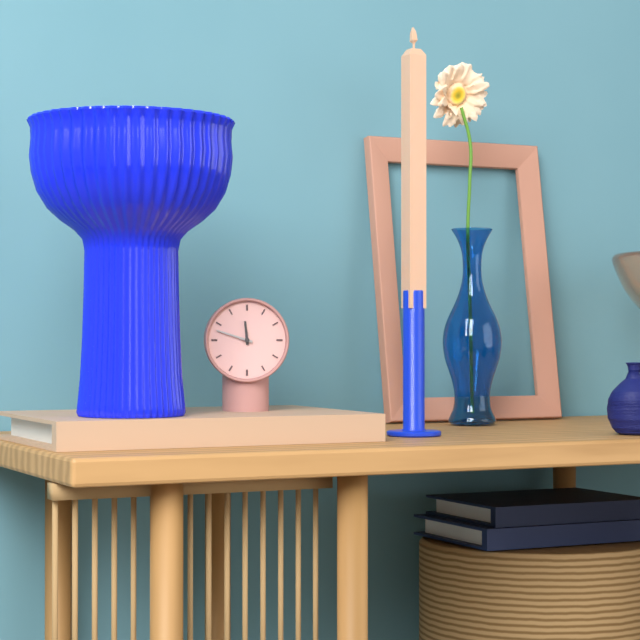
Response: 11:48
